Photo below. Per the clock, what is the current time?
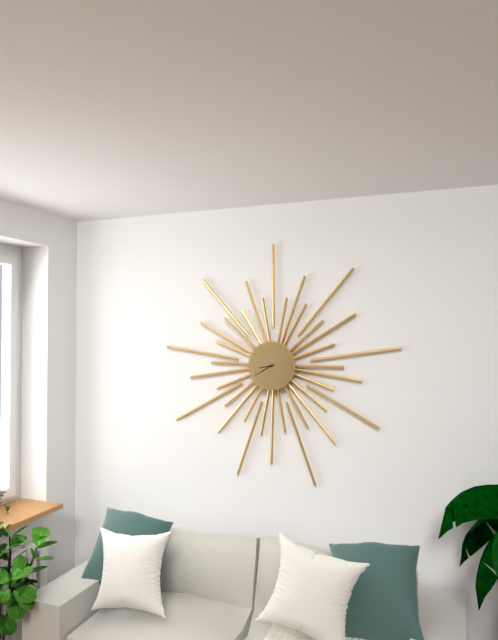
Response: 8:40
